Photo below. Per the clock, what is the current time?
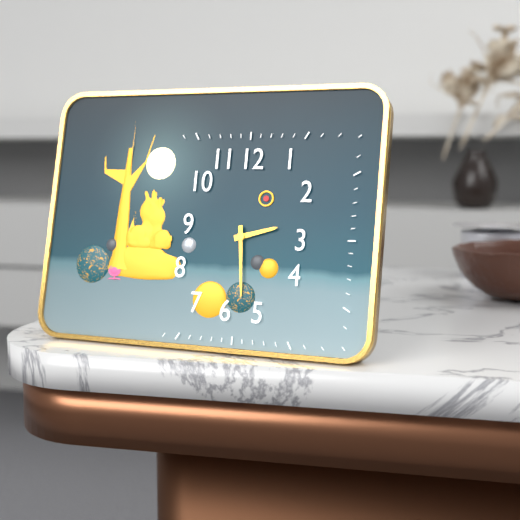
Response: 2:29
